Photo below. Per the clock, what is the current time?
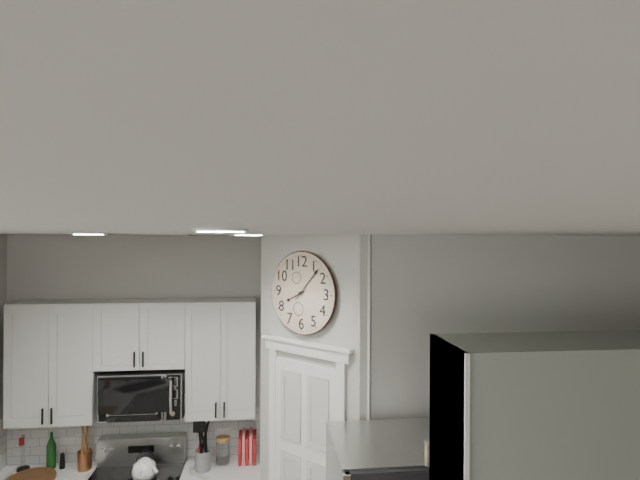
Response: 8:07
